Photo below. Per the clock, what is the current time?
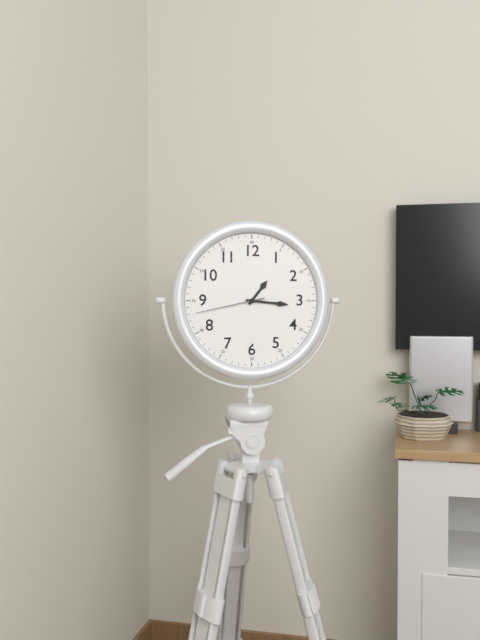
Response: 1:16:43
